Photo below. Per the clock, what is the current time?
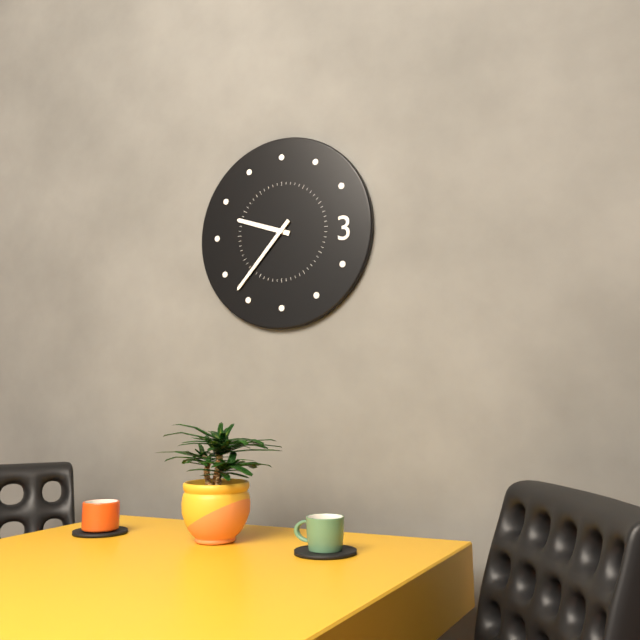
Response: 9:37
